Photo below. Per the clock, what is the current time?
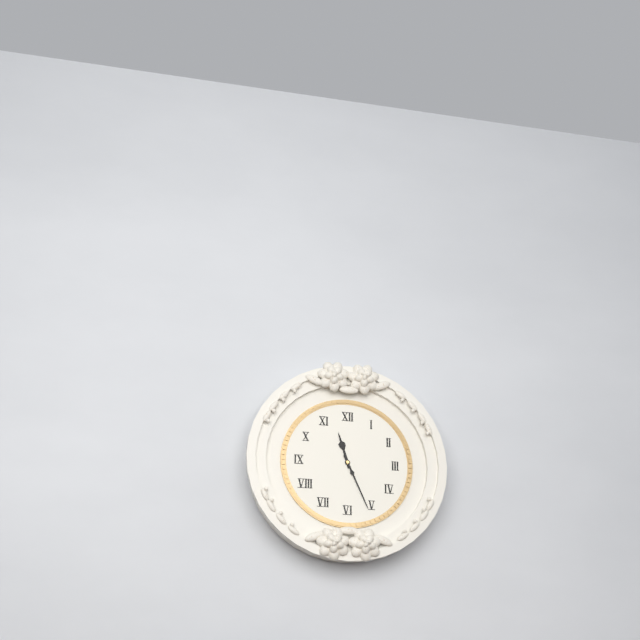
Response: 11:26
